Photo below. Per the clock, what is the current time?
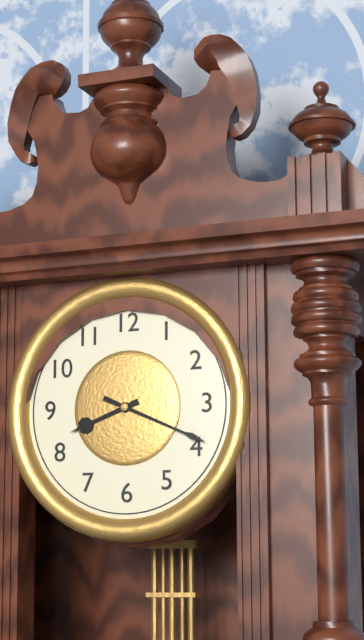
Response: 8:19
